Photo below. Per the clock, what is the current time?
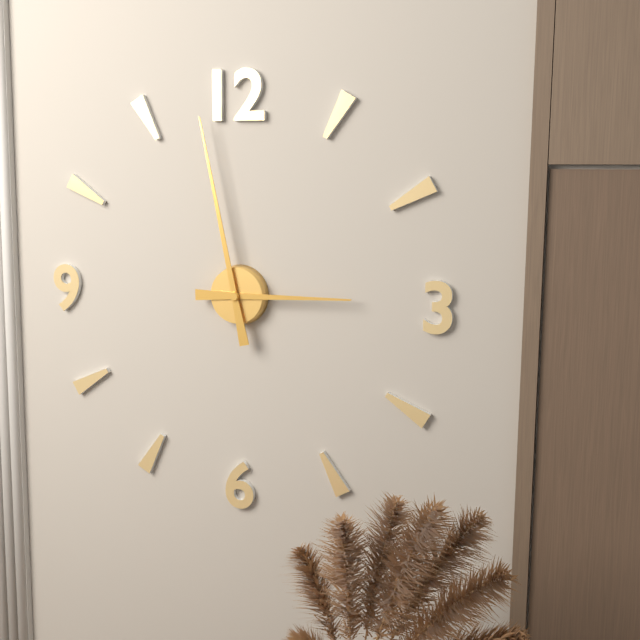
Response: 2:58
